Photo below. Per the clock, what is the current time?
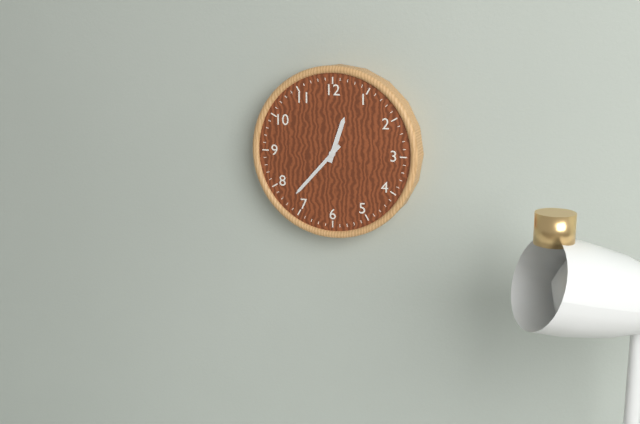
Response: 12:37
